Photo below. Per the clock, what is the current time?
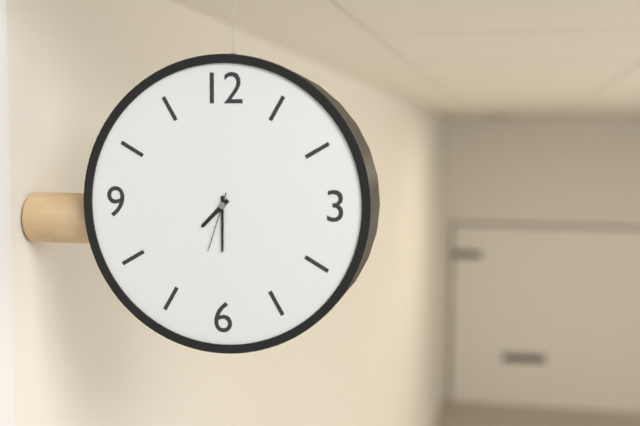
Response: 7:30:33
